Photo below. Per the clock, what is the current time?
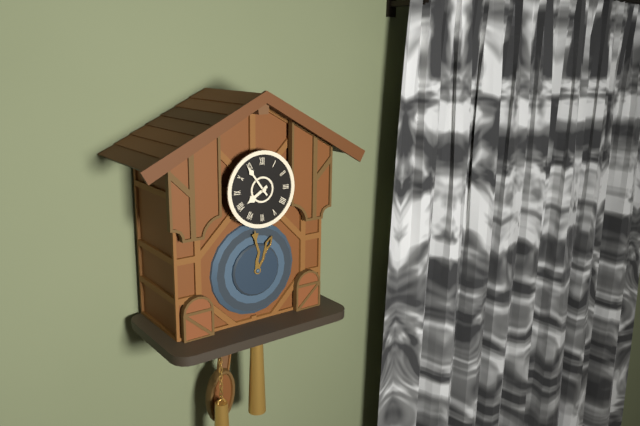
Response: 7:54
